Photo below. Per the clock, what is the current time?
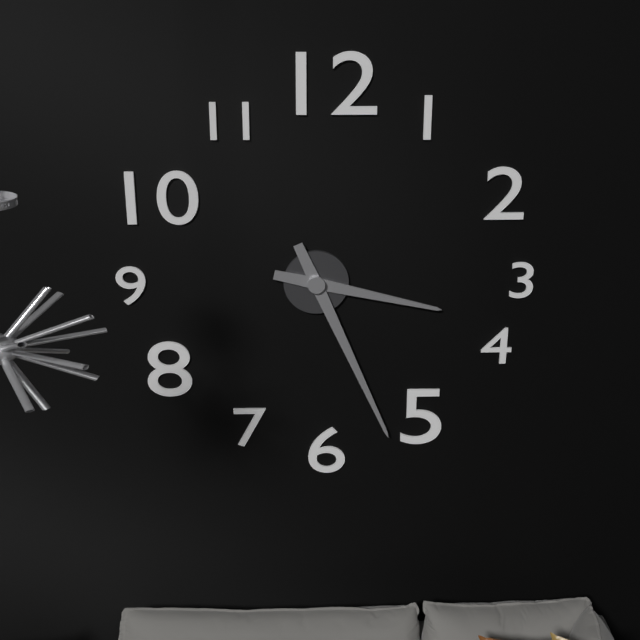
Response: 3:26
